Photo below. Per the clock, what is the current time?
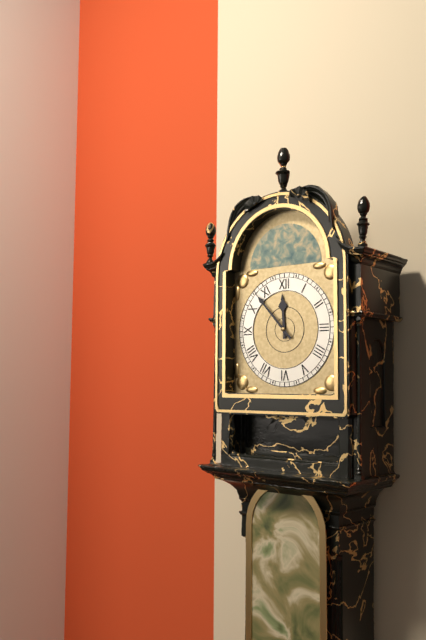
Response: 11:53
